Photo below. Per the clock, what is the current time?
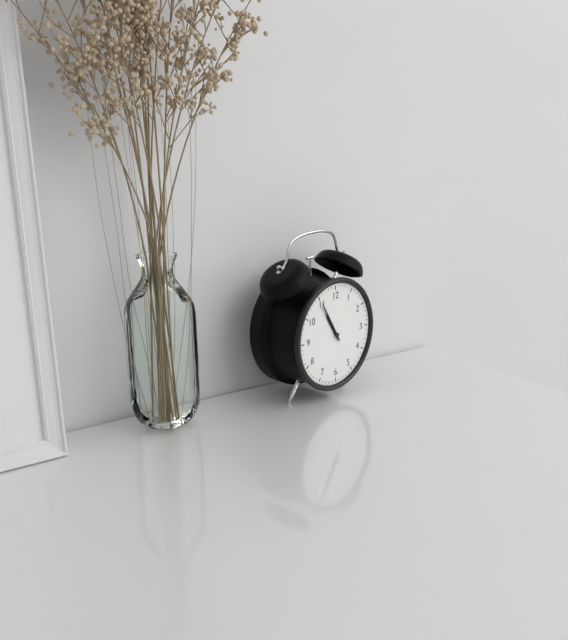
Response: 10:55
